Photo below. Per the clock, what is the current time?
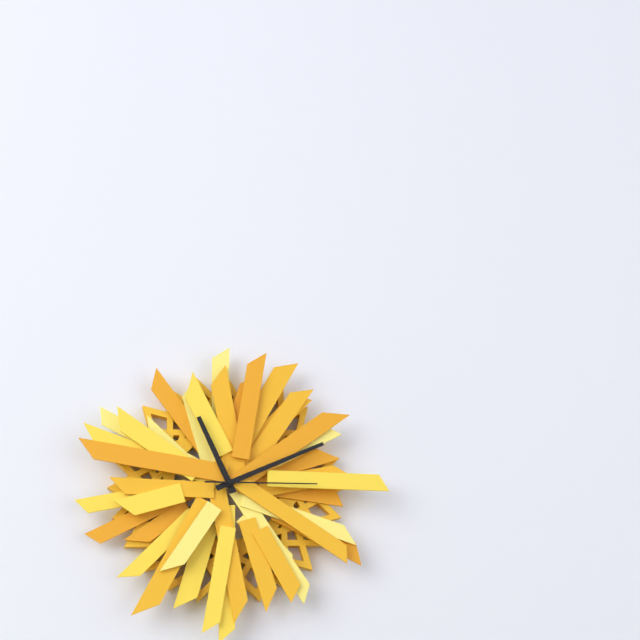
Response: 11:11:15
